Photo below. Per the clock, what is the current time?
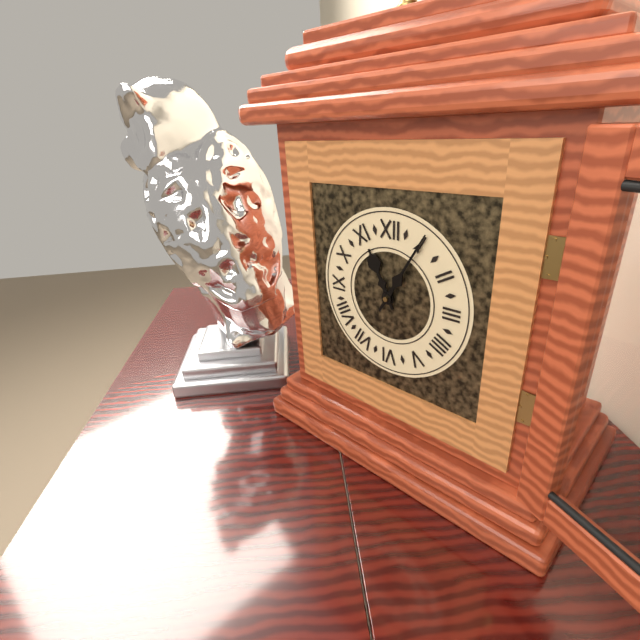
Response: 11:05
